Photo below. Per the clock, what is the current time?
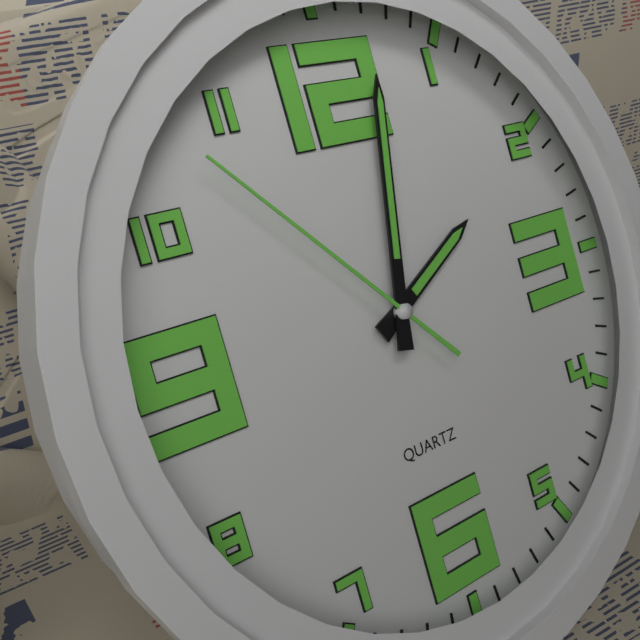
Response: 2:02:53
